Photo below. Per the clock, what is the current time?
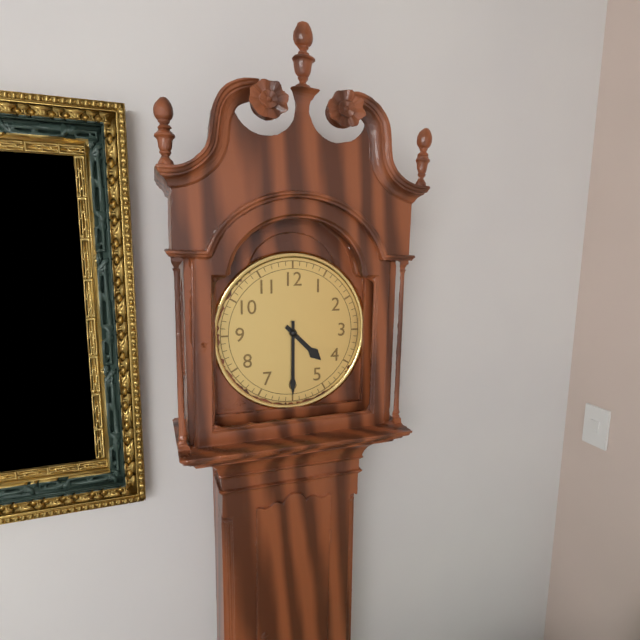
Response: 4:30
